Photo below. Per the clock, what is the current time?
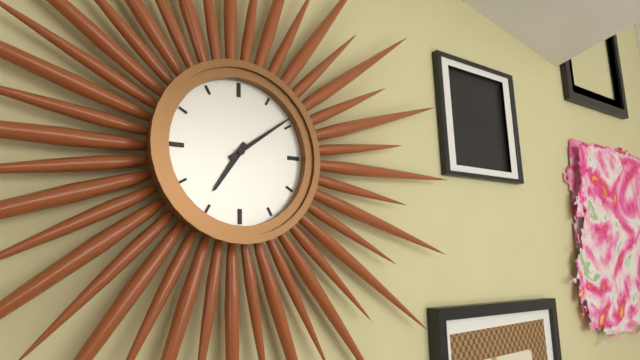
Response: 7:09
